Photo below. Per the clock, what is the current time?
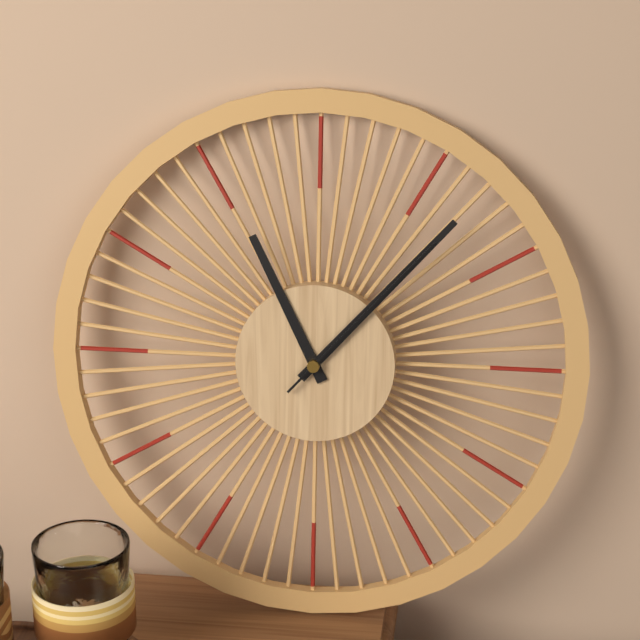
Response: 11:07:07
